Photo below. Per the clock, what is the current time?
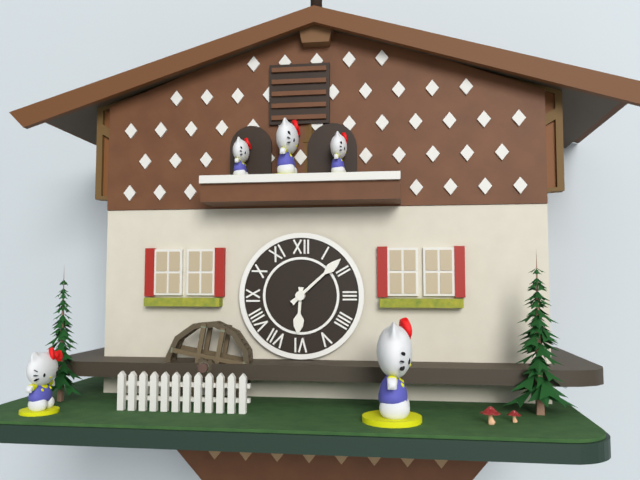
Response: 6:08
